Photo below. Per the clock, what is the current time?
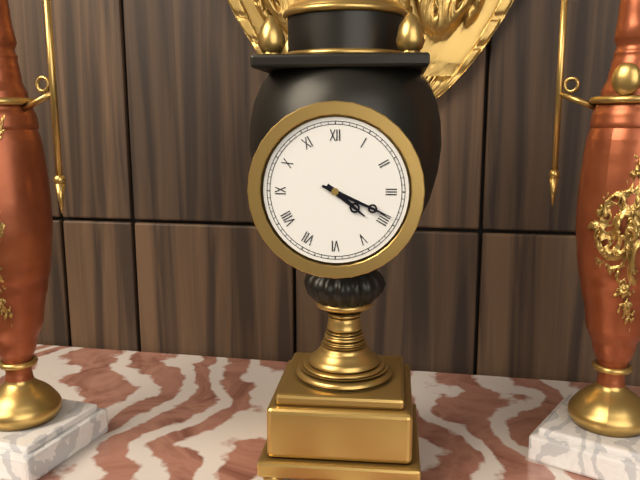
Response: 4:19
